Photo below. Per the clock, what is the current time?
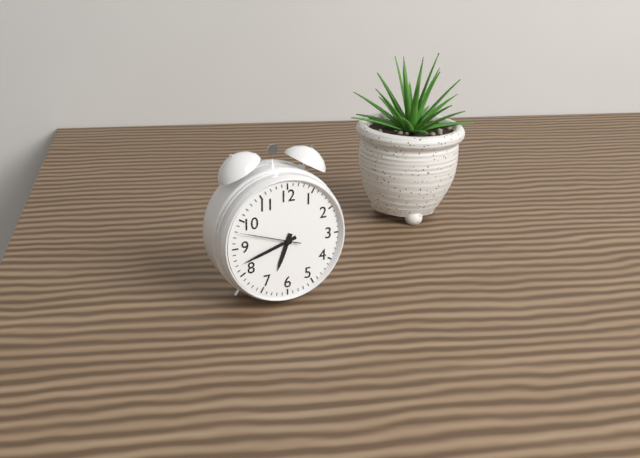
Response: 6:42:48
